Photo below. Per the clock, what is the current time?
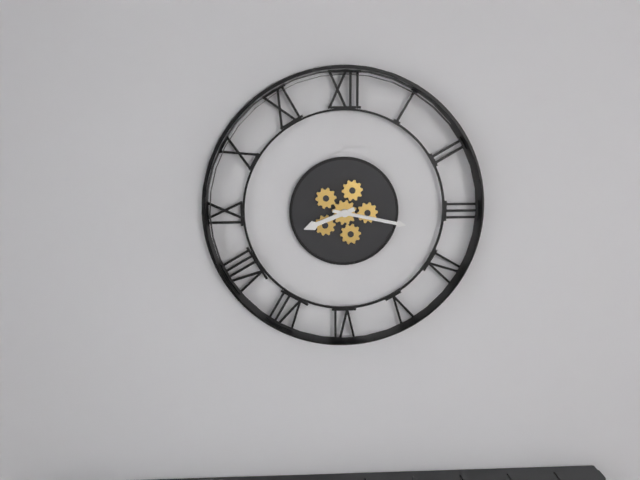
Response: 8:17
